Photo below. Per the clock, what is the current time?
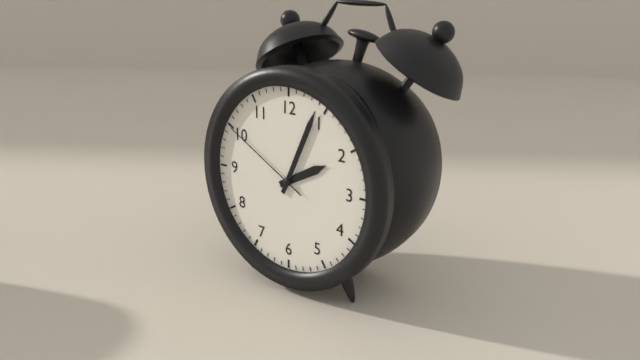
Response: 2:04:50
